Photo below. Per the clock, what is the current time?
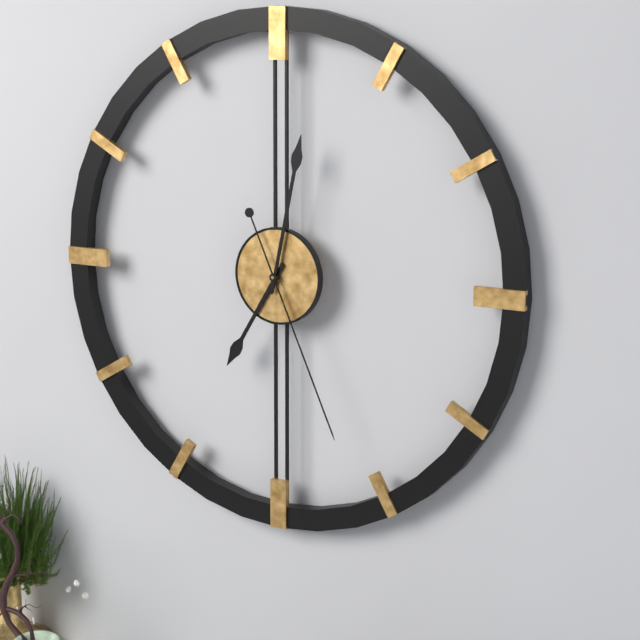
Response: 7:02:26
